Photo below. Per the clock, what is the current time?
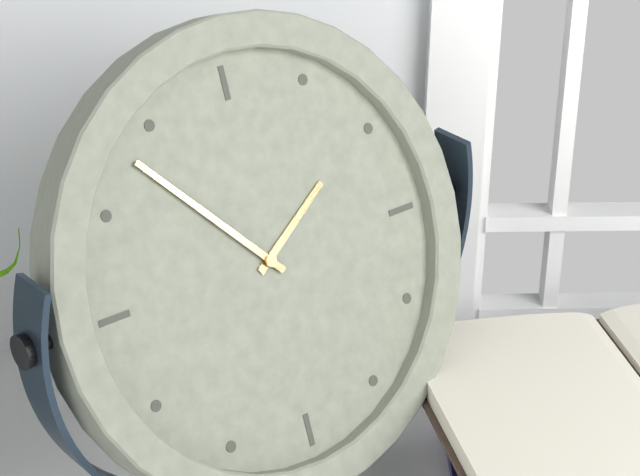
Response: 1:53
